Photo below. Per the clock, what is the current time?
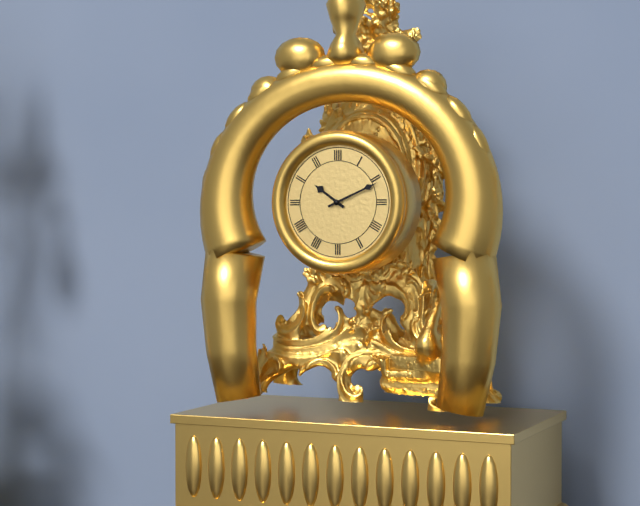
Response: 10:11
